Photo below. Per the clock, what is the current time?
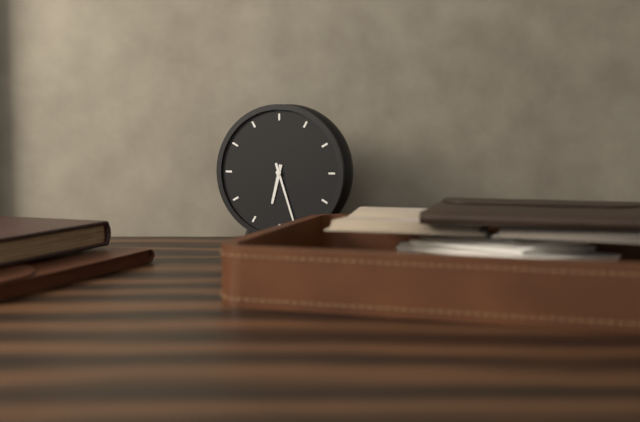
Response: 6:27
